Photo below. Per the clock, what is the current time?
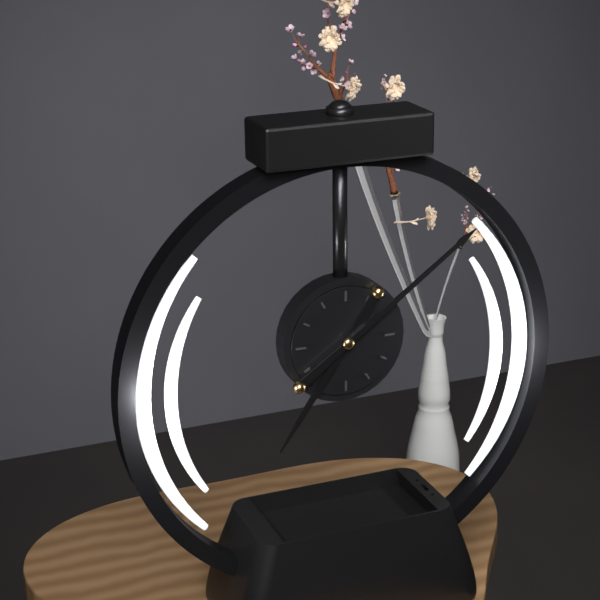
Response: 7:09
